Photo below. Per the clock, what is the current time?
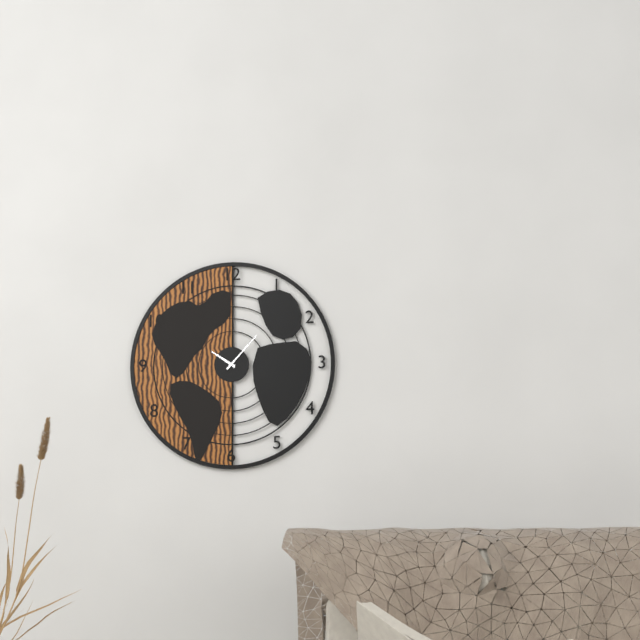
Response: 10:07
